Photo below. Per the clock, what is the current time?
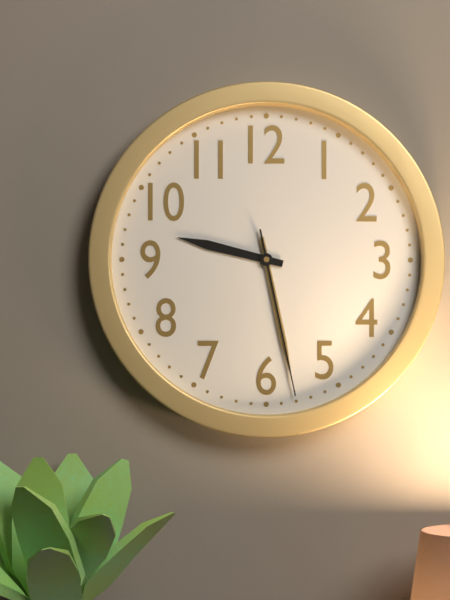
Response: 9:28:28
